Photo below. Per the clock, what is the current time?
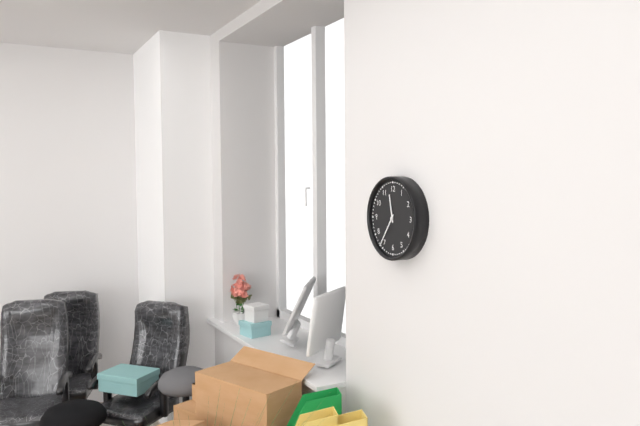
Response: 11:36
